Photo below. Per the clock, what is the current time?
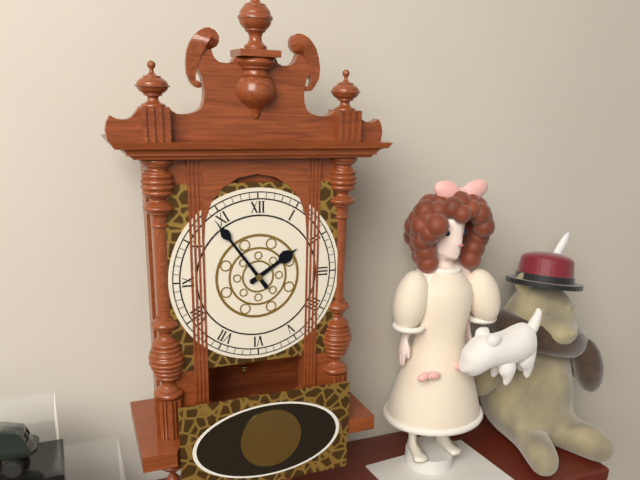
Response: 1:54
